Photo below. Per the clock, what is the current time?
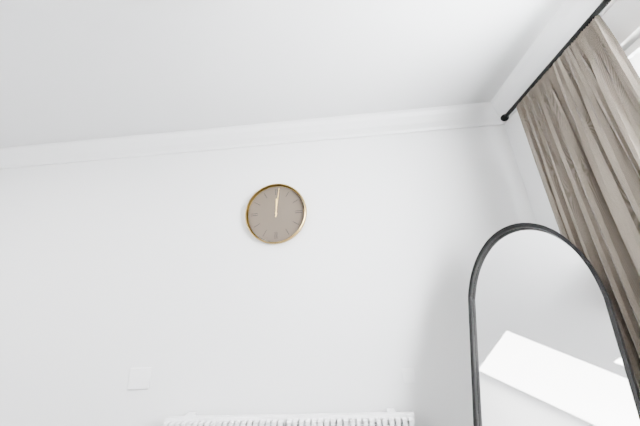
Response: 12:01
